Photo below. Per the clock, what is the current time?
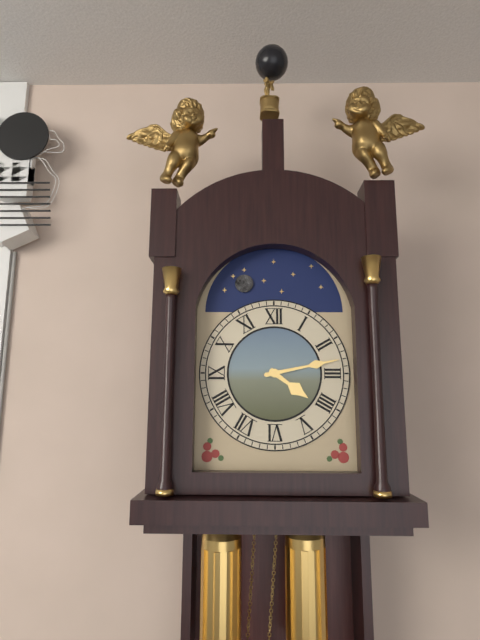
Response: 4:13
